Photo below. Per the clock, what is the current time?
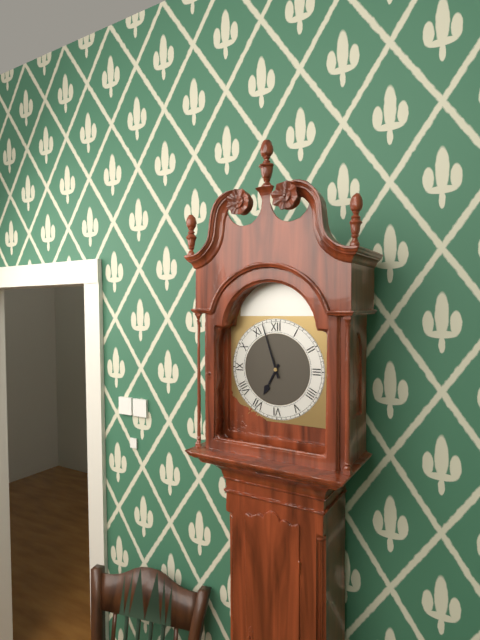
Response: 6:57
